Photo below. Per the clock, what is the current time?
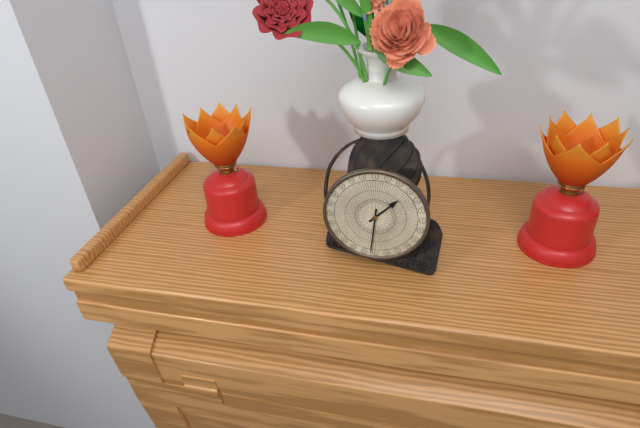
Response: 1:31
